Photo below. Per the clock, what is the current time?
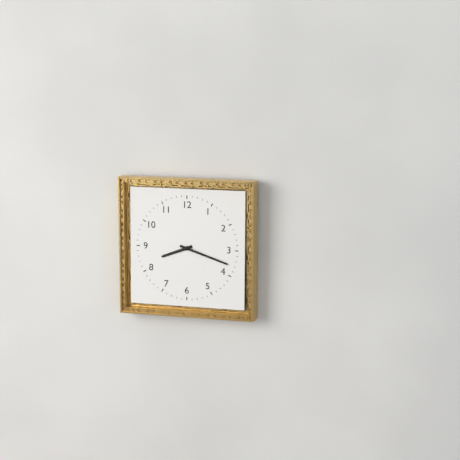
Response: 8:18
